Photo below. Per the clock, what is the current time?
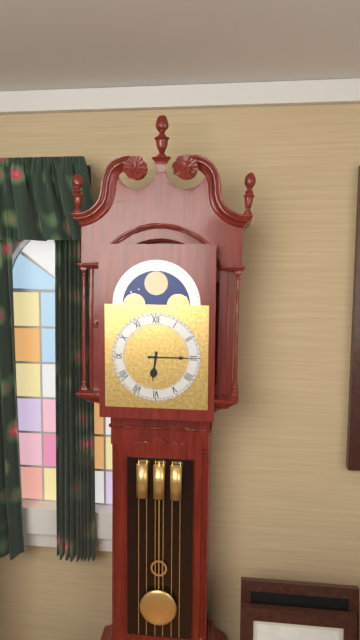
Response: 6:15
